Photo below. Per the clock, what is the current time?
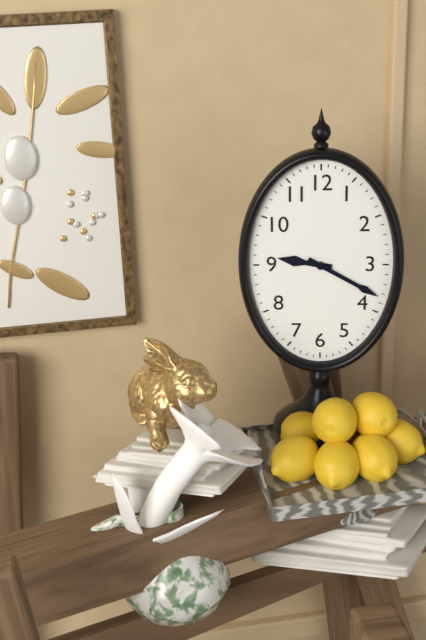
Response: 9:20
